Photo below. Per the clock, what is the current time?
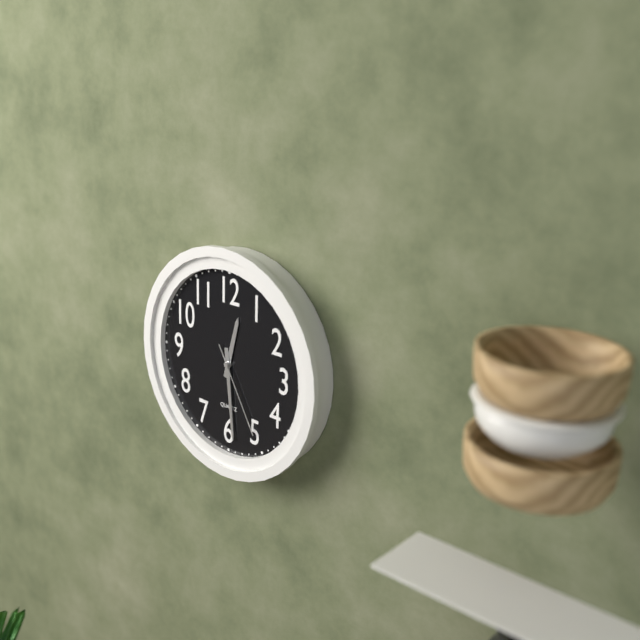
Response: 12:29:25
